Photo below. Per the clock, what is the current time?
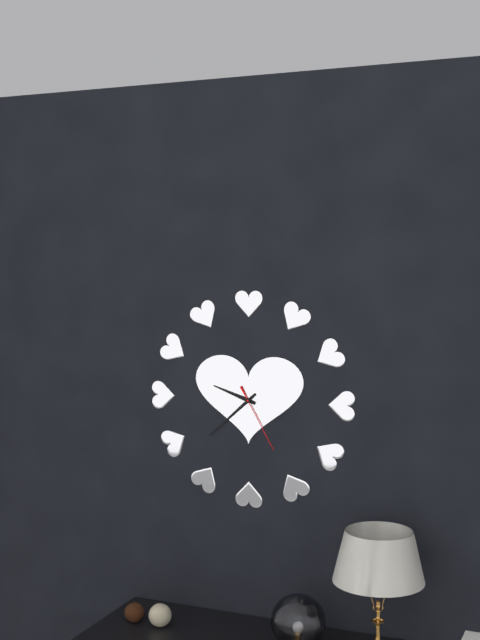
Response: 9:38:25
